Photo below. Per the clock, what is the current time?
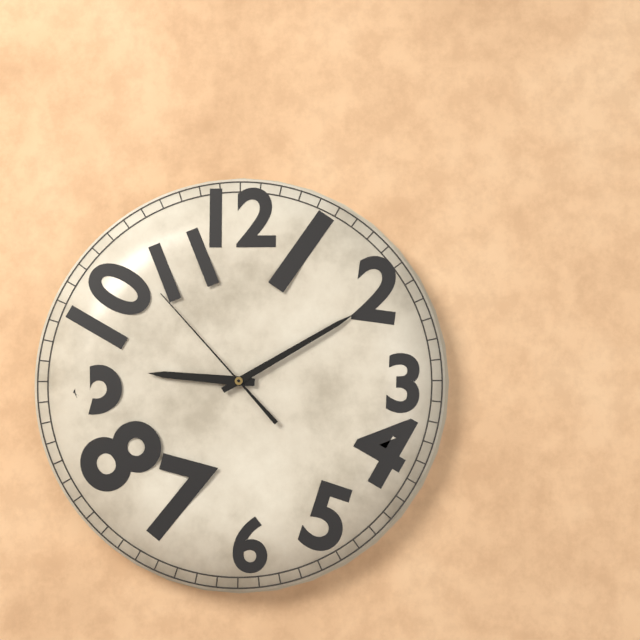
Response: 9:10:53
